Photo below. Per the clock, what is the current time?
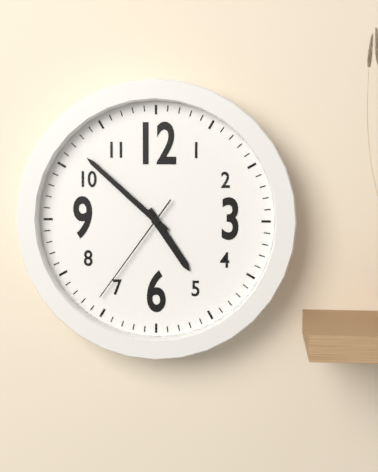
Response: 4:52:36
